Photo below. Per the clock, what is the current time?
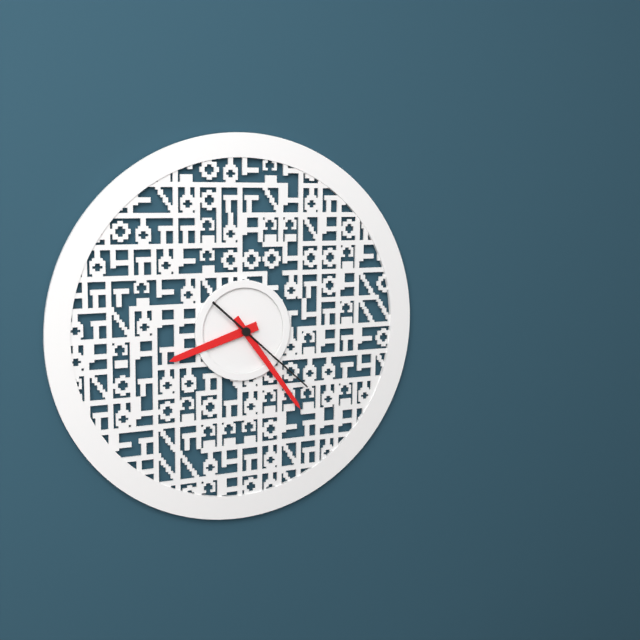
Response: 8:24:22
